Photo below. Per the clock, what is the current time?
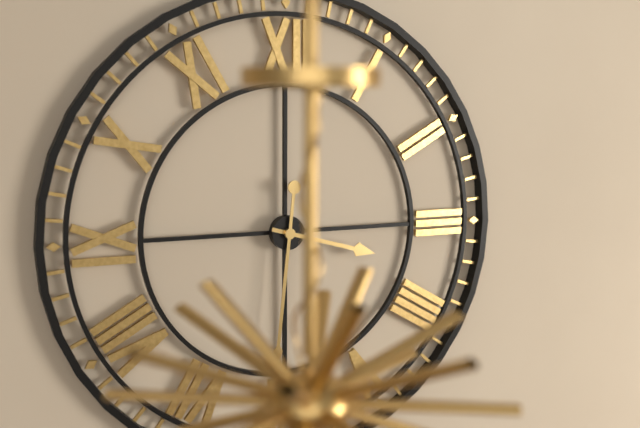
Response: 3:31
